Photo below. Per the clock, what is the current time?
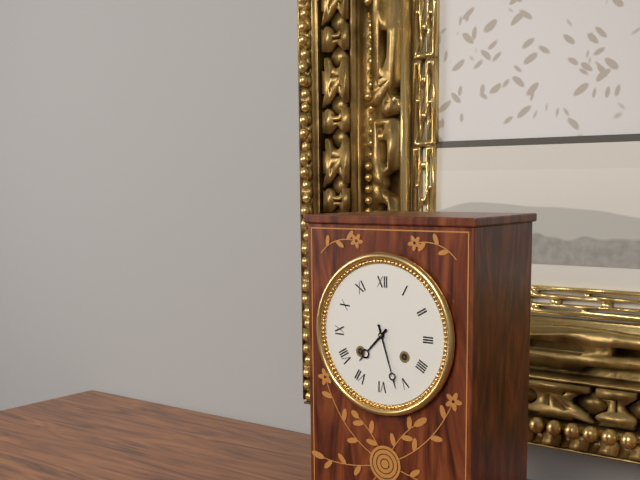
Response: 7:27
